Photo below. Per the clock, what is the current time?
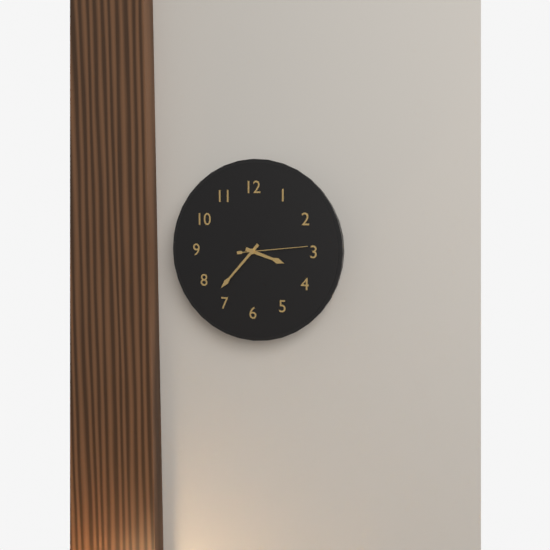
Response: 3:37:14
